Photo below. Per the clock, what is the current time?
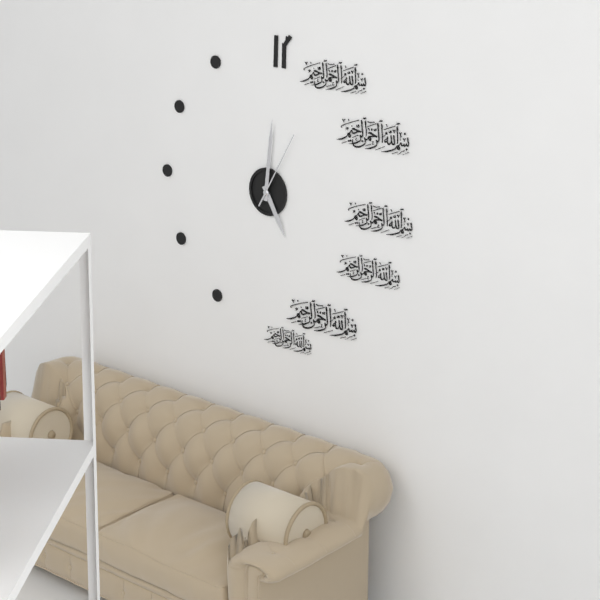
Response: 5:01:05
